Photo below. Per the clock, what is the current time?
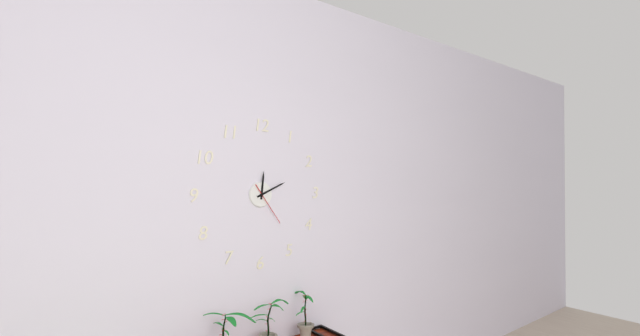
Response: 12:11
